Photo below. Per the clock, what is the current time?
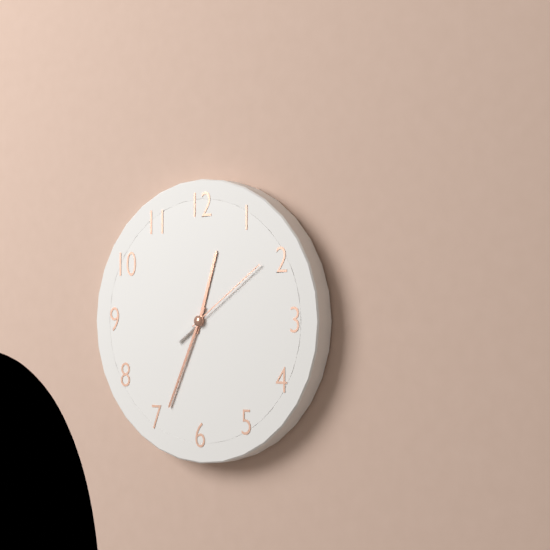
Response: 12:34:09
